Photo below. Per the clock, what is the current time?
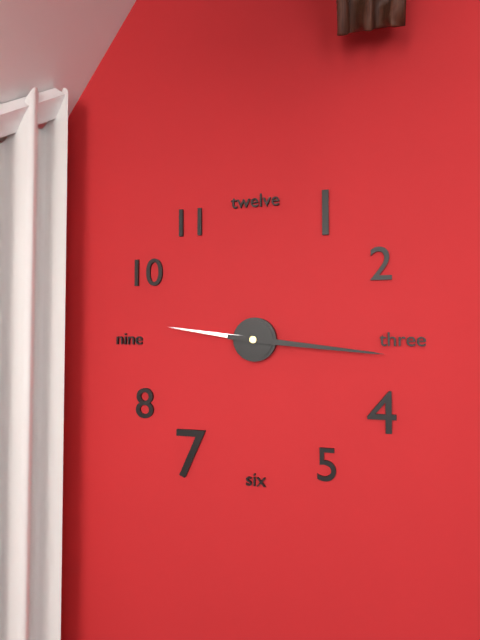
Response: 9:16
